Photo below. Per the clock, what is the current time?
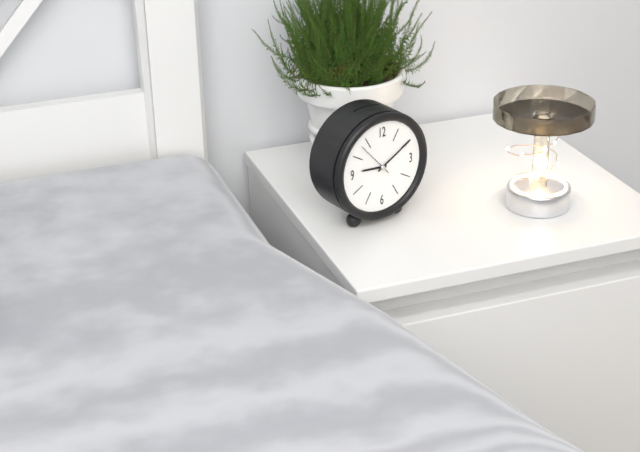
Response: 9:10
